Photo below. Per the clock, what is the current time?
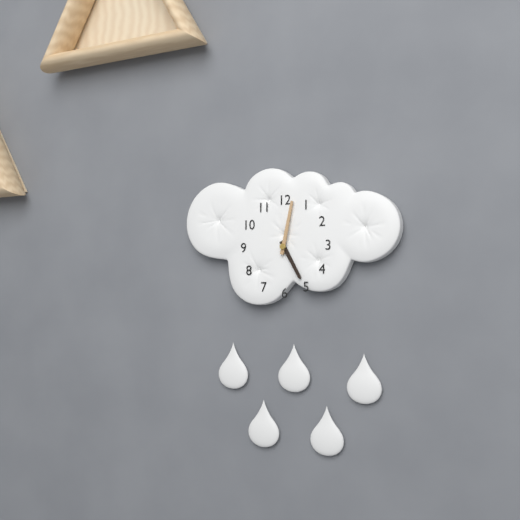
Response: 5:02
